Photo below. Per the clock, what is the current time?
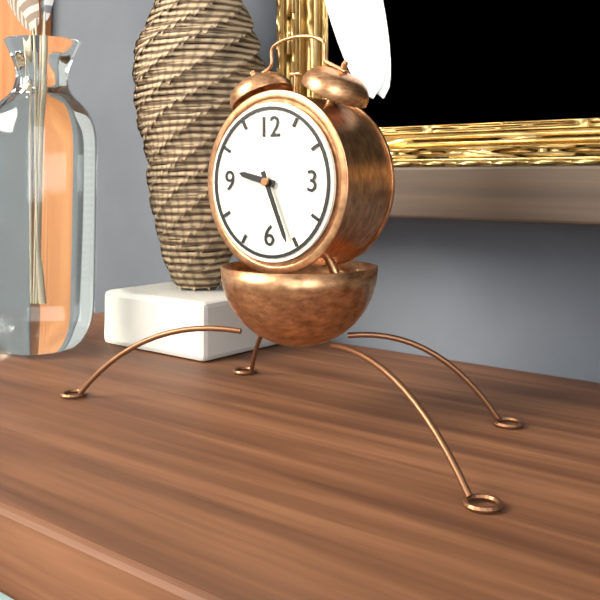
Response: 9:26
